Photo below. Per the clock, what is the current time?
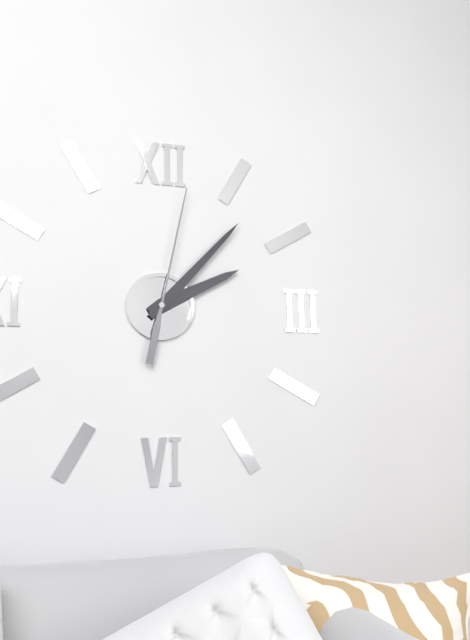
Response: 2:07:02
